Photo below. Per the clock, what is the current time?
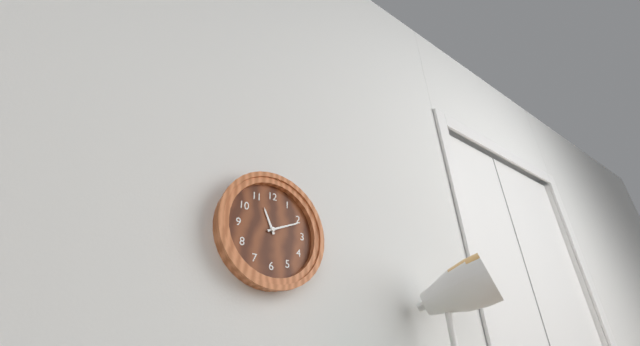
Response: 11:11
